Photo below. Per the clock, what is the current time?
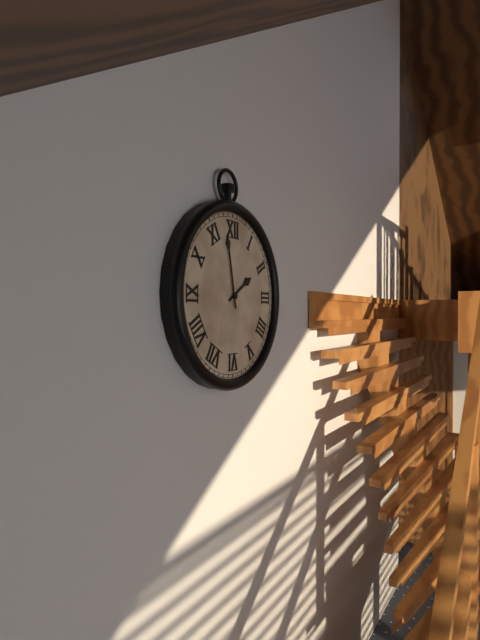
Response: 1:58
